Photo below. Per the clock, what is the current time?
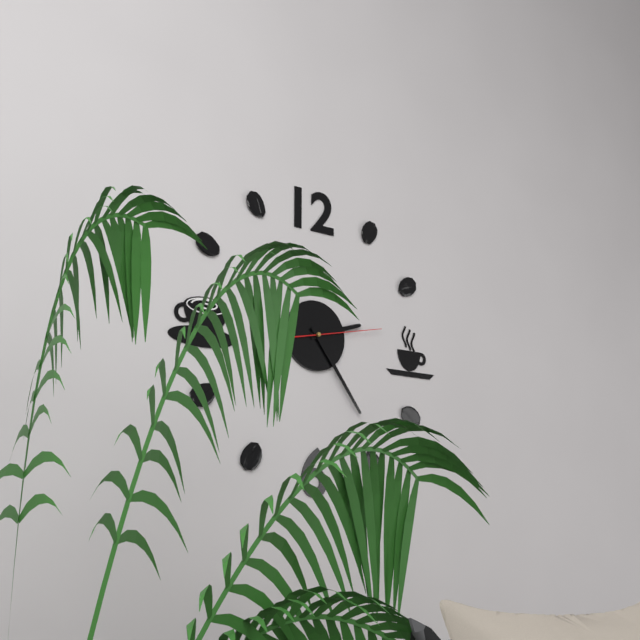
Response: 2:24:13
